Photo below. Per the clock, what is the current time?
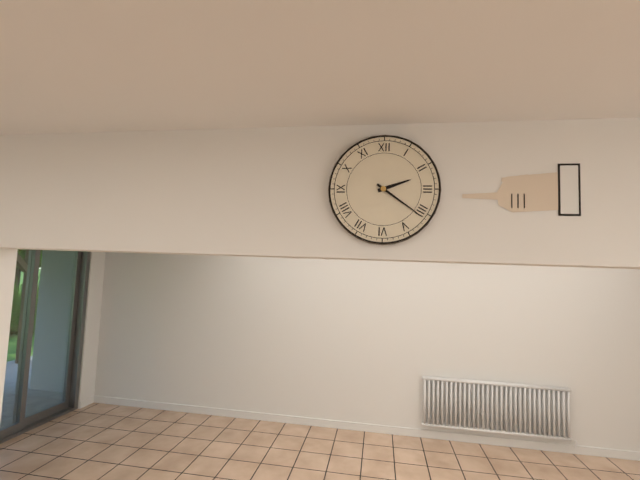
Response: 2:21
